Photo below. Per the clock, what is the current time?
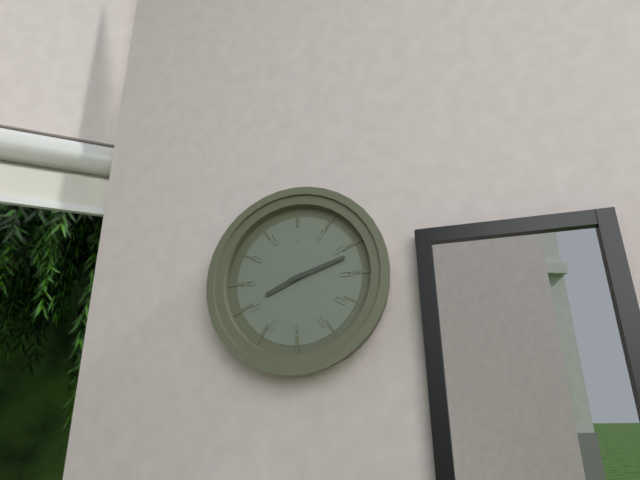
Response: 8:12
